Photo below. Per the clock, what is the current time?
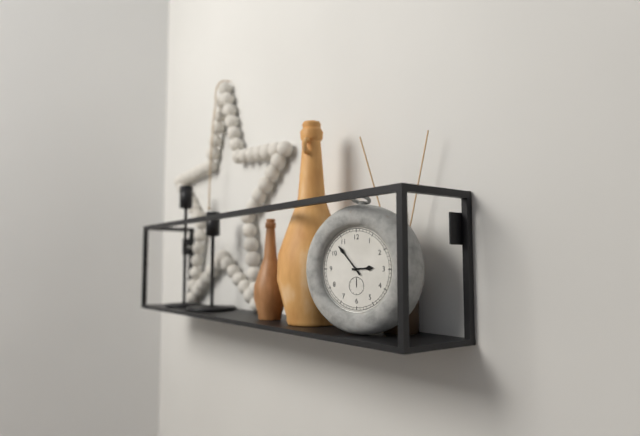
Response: 2:53
